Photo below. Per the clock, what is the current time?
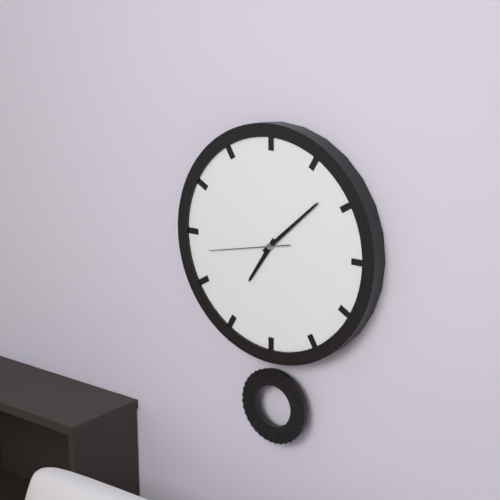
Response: 7:08:43
